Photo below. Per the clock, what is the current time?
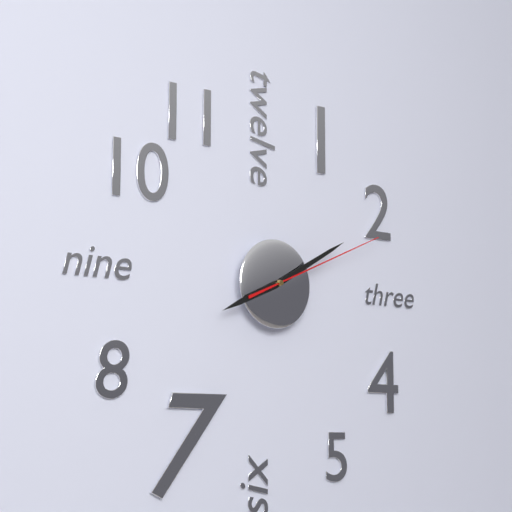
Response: 8:10:11
